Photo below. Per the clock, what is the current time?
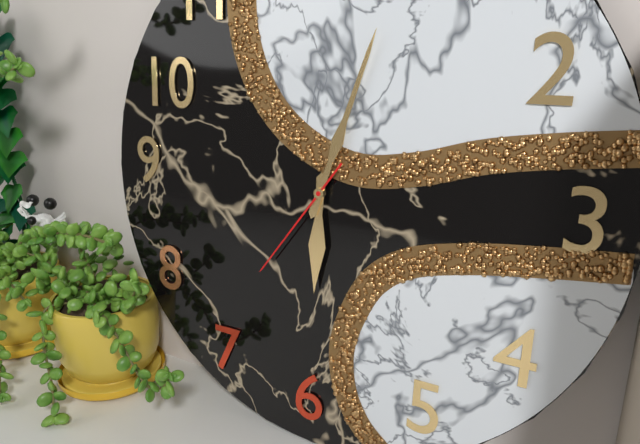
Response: 6:03:36
